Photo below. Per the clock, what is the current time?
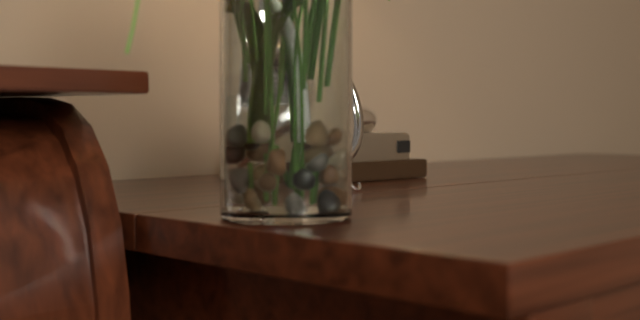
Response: 2:55:52
